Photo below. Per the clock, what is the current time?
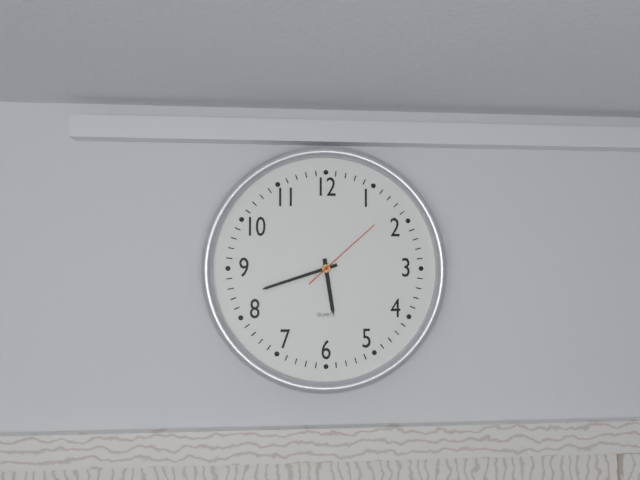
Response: 5:42:08
